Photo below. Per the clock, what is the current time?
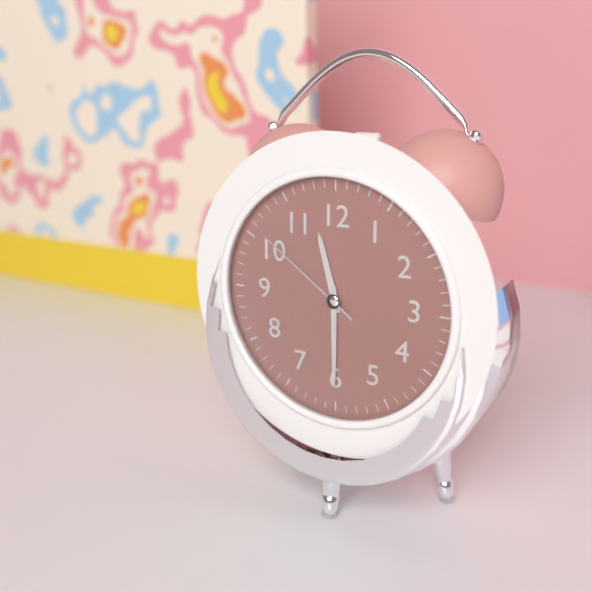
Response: 11:30:51
